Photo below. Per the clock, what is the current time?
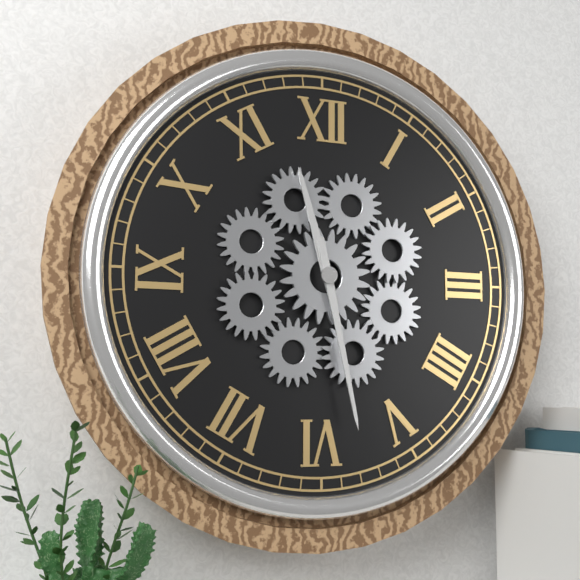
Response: 11:28
